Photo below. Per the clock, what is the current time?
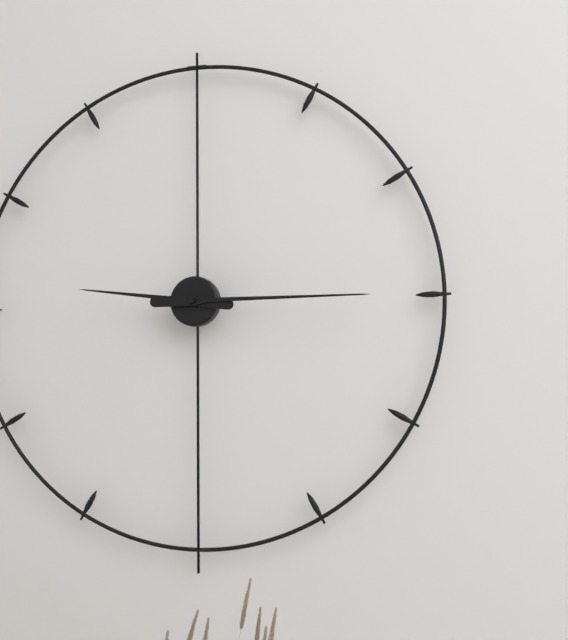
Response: 9:15
